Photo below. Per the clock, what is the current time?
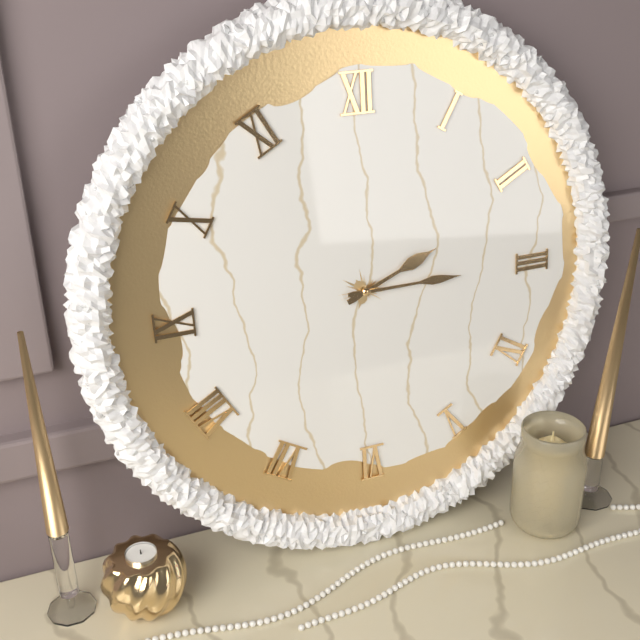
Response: 2:15
